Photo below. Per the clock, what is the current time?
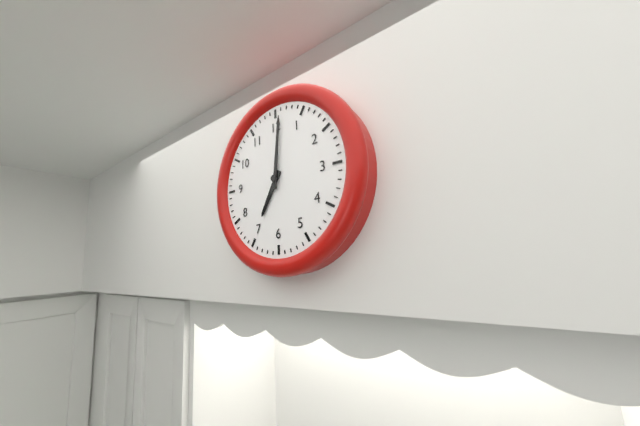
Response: 7:01
